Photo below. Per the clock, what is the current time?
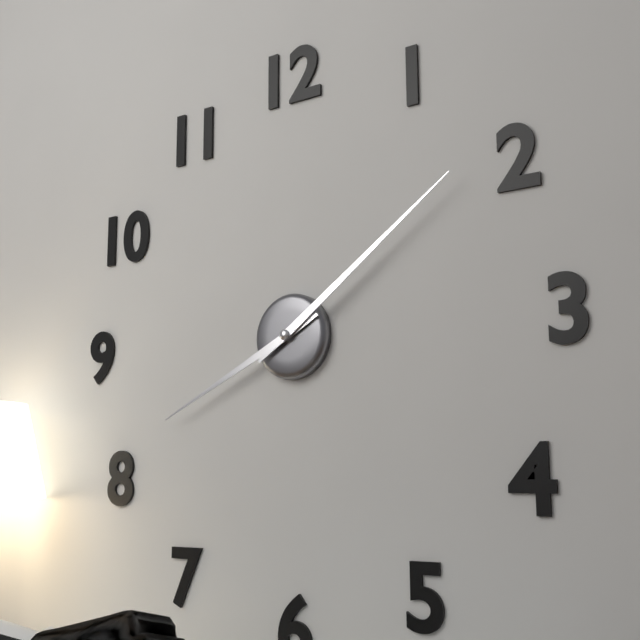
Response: 8:09
